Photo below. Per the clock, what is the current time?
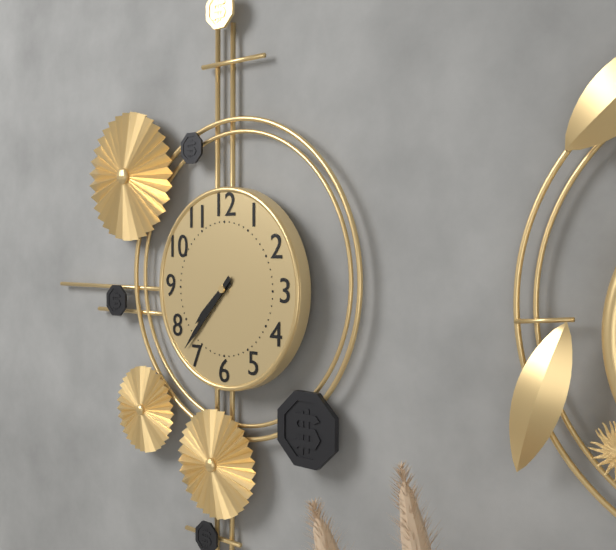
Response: 7:37
